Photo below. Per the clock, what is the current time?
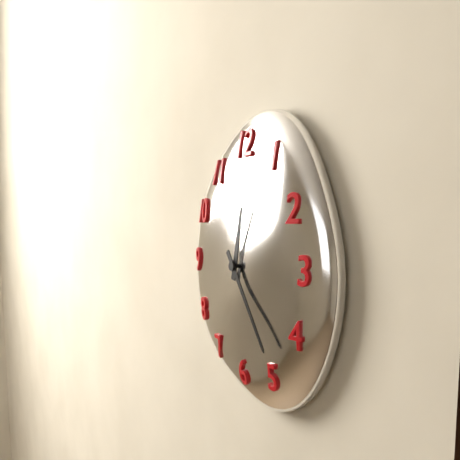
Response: 12:24
